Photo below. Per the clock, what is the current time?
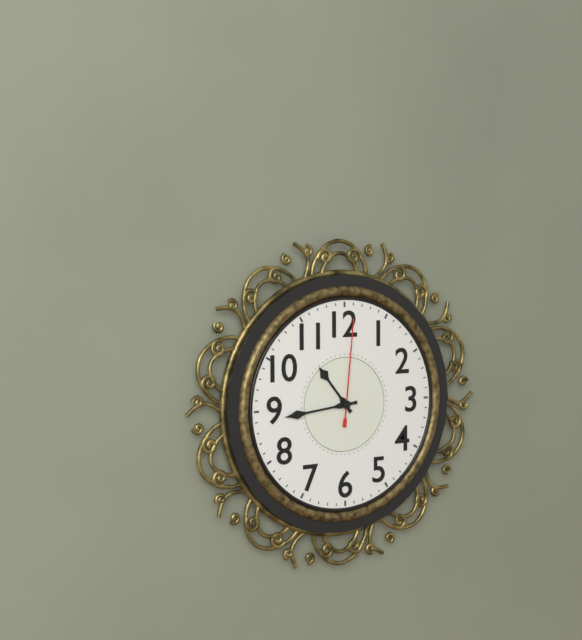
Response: 10:44:01
